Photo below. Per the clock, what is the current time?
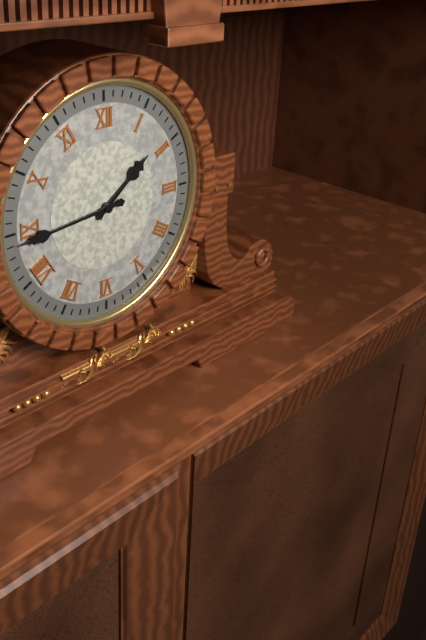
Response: 1:44
